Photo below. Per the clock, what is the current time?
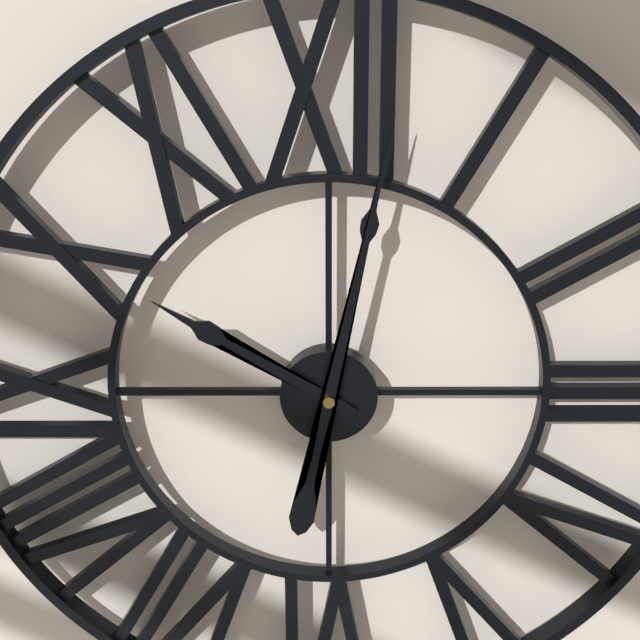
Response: 10:02
